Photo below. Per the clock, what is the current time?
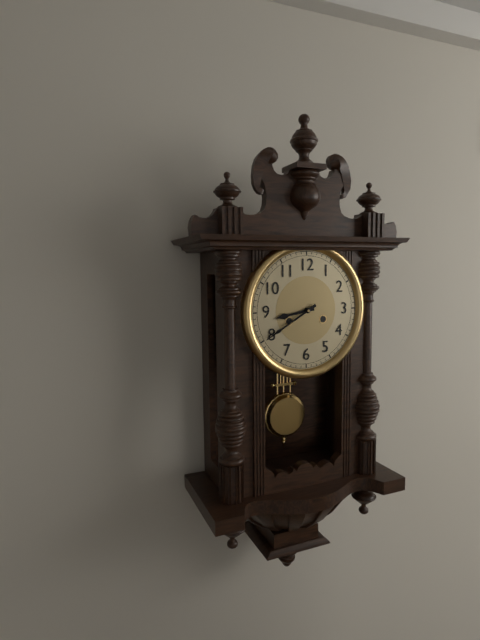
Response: 8:40
